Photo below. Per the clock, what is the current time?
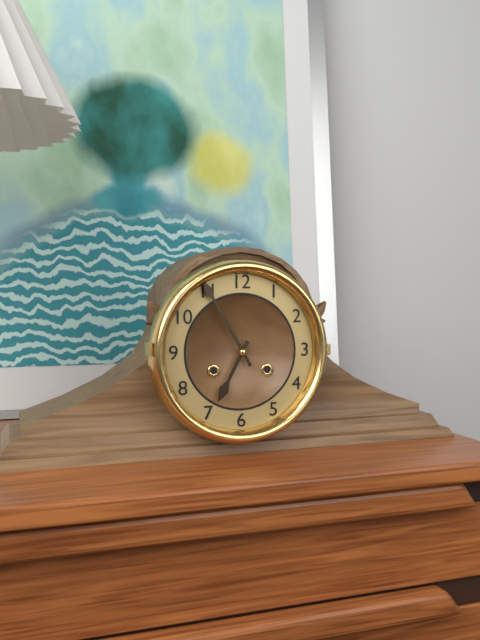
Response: 6:55
